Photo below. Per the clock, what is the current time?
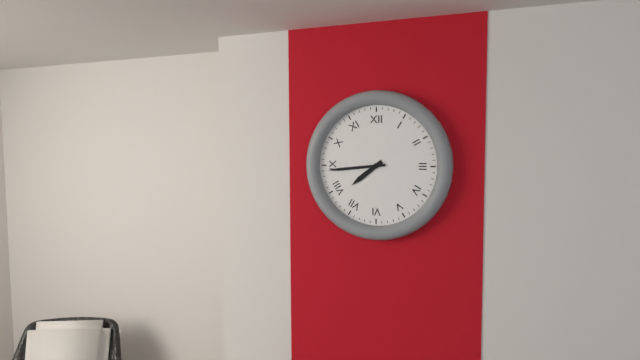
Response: 7:44
